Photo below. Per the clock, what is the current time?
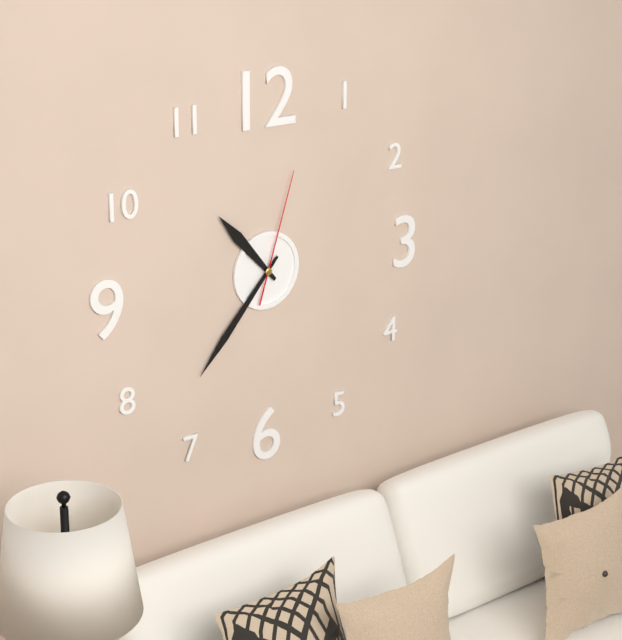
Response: 10:37:03
